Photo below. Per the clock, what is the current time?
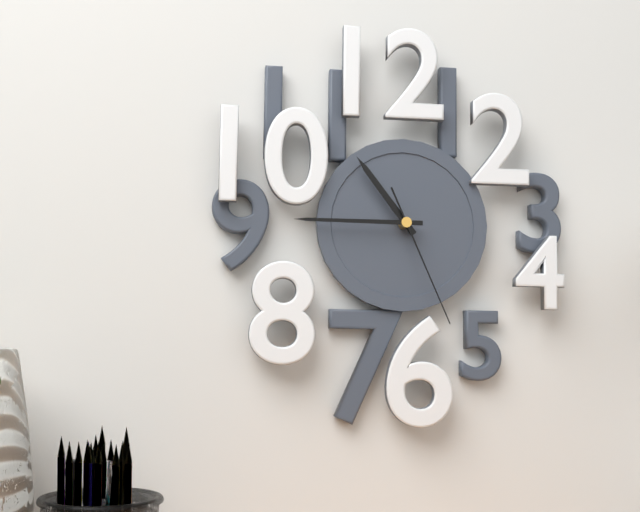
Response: 10:45:26
